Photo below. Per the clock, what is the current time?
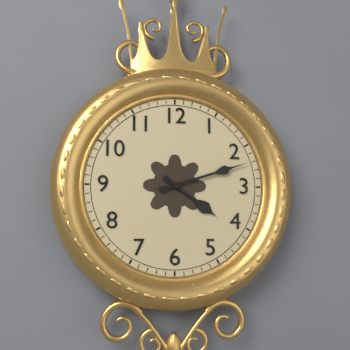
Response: 4:12
